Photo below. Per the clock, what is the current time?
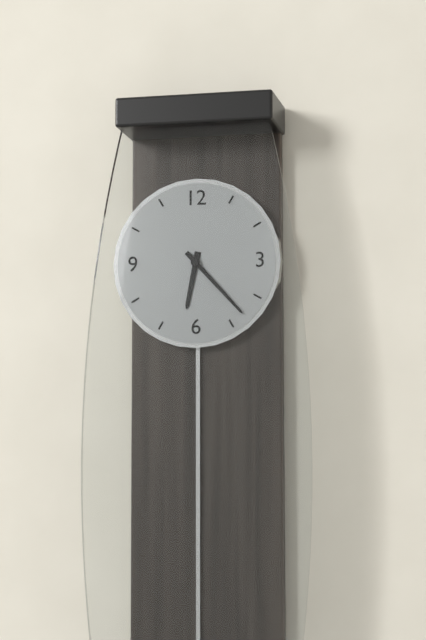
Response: 6:23
